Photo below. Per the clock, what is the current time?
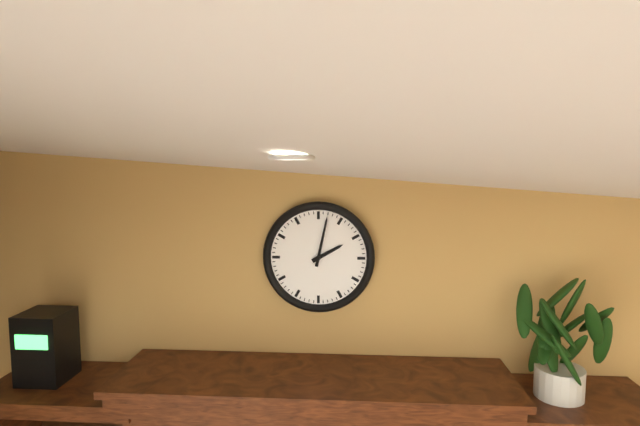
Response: 2:02
